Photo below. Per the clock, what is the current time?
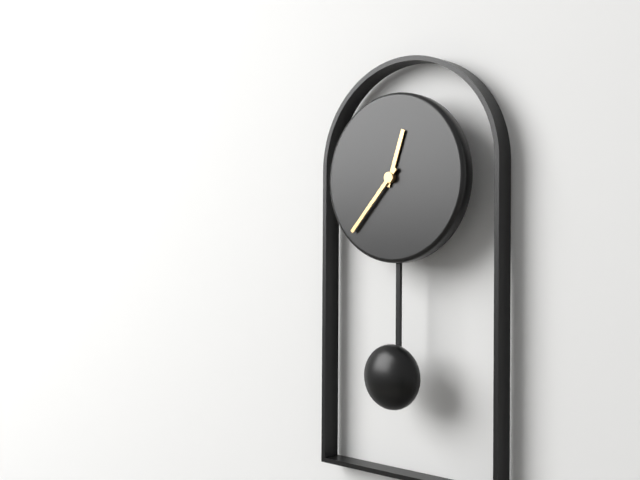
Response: 12:37
